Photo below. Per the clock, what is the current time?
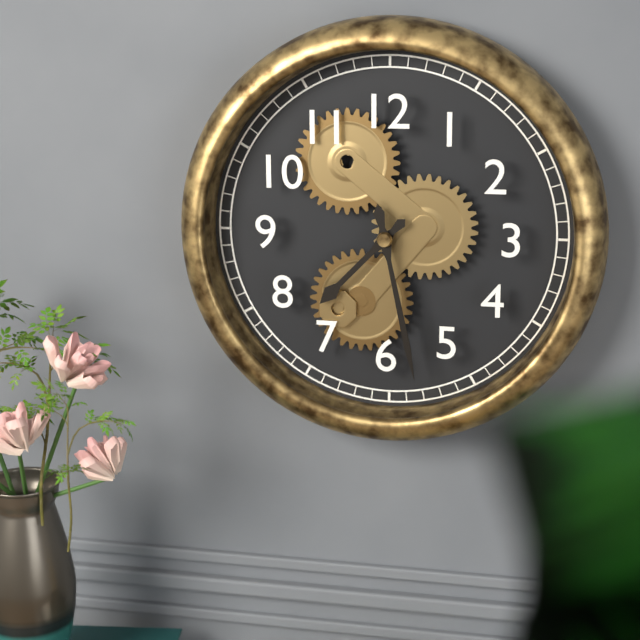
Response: 7:28
